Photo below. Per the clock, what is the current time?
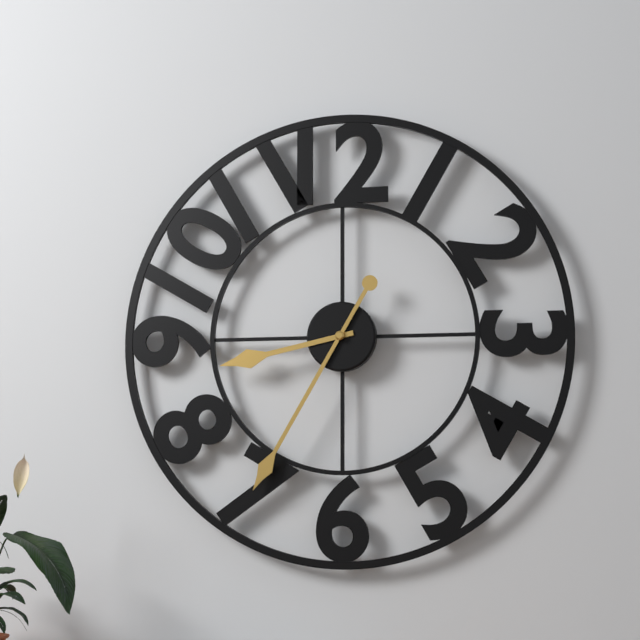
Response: 8:35
